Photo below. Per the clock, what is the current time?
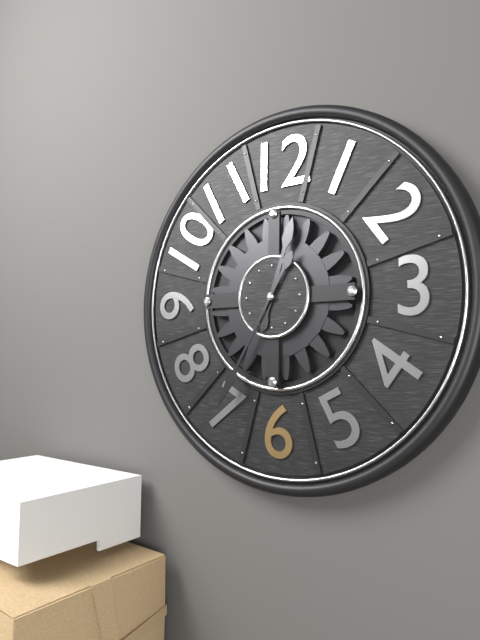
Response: 12:35
